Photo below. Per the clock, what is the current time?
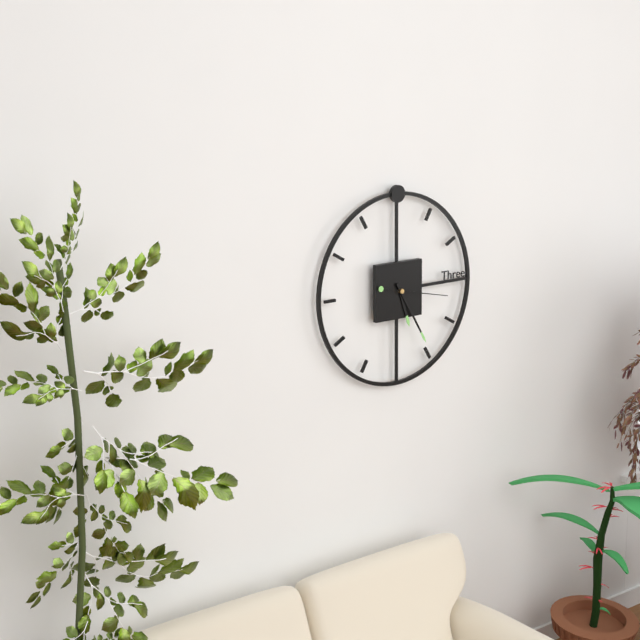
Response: 5:25:17
